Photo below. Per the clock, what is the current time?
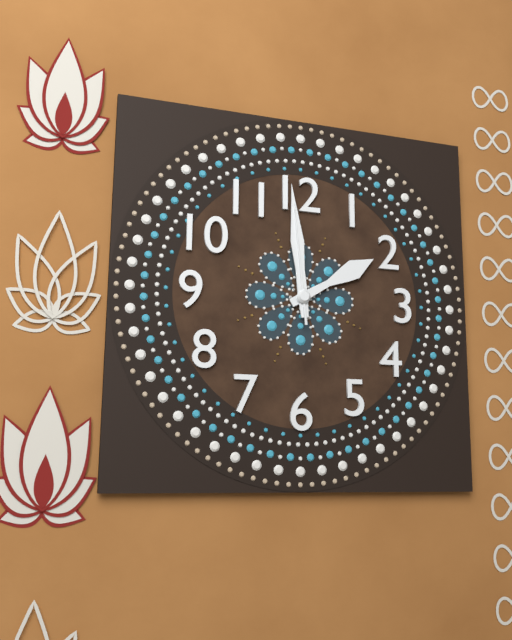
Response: 1:59:59
